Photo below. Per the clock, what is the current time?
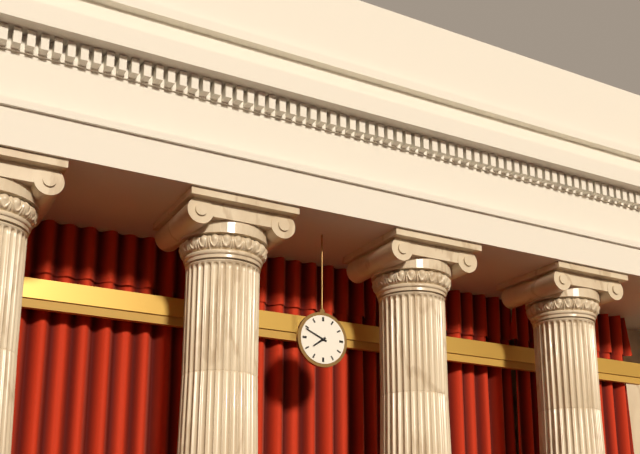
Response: 7:49
